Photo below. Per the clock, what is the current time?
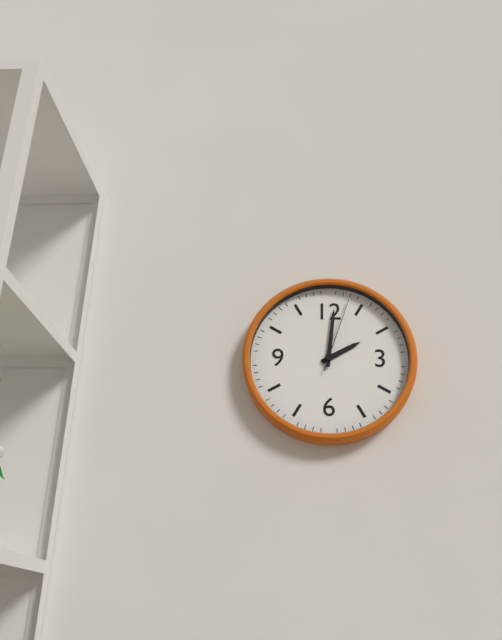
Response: 2:01:03
